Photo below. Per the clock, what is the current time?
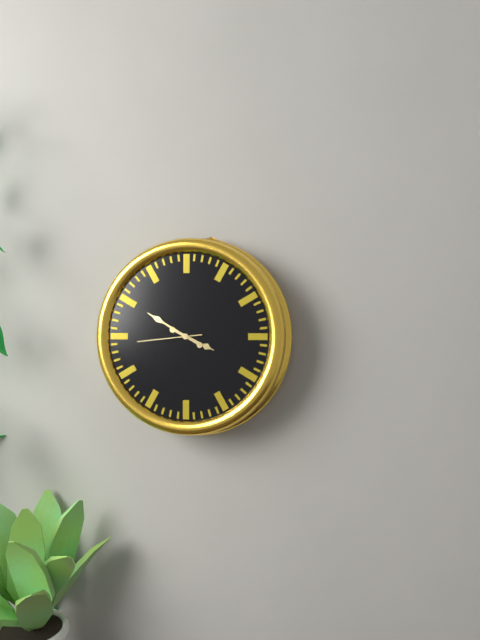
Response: 3:50:44
